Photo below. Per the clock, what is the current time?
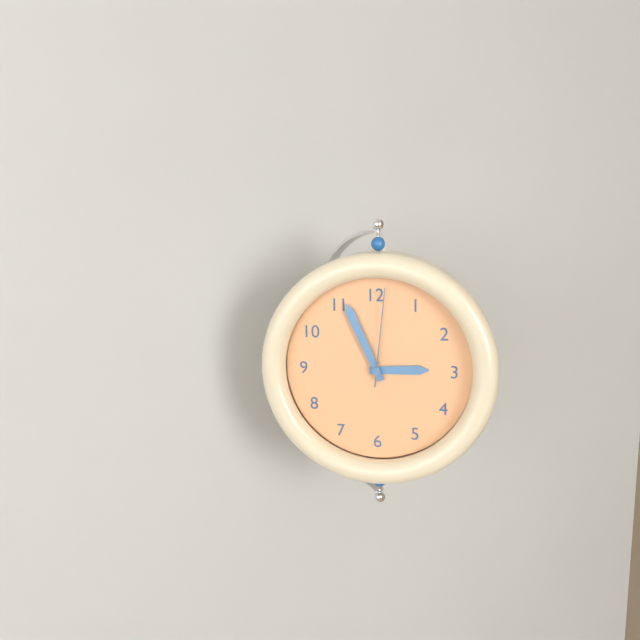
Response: 2:56:01
